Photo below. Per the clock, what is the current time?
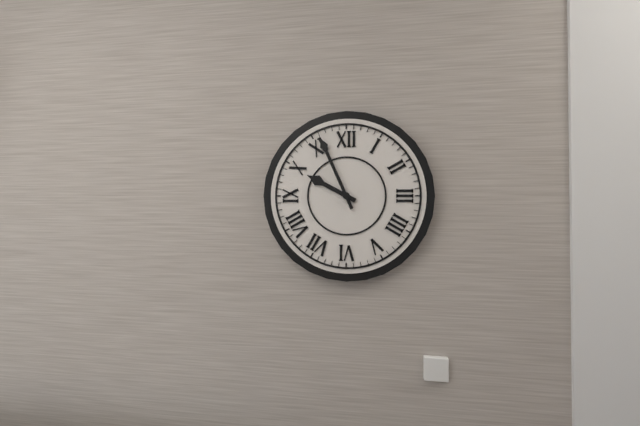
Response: 9:56
